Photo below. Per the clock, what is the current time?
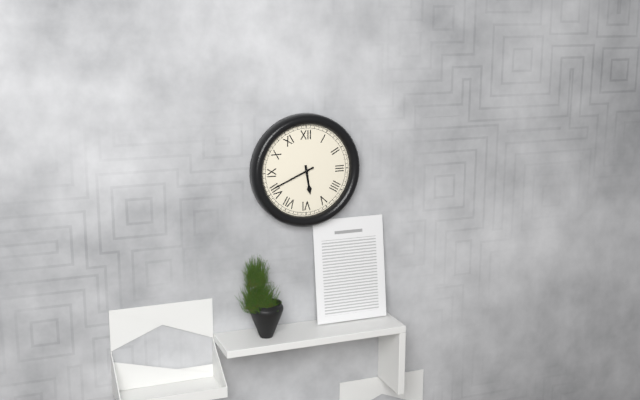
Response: 5:41
